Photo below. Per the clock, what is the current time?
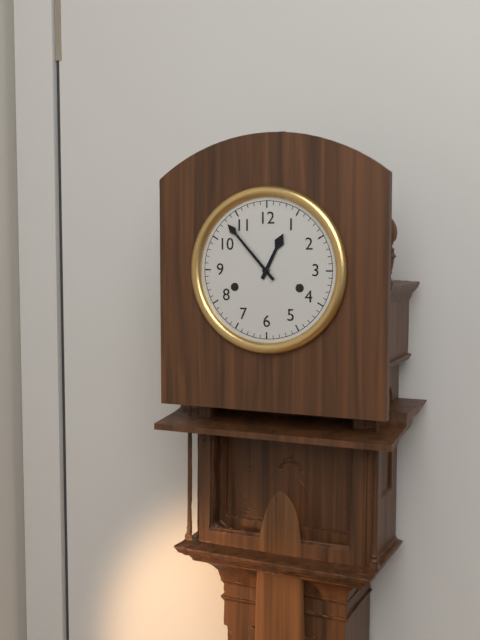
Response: 12:53
